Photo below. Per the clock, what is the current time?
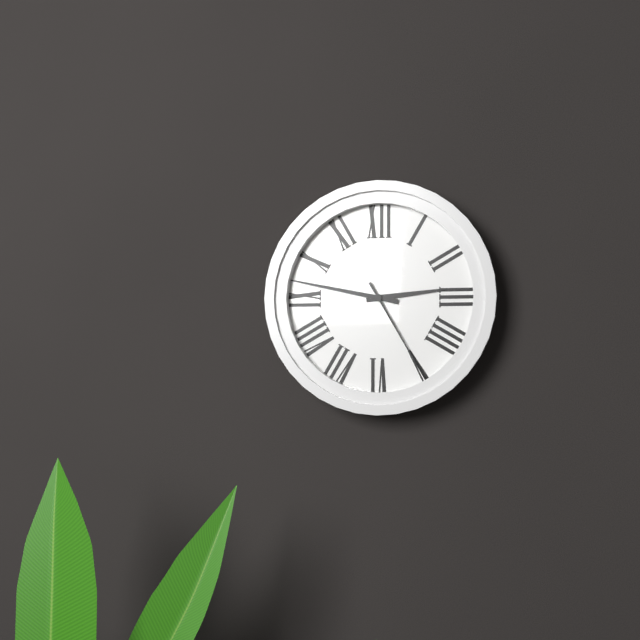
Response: 2:47:25
